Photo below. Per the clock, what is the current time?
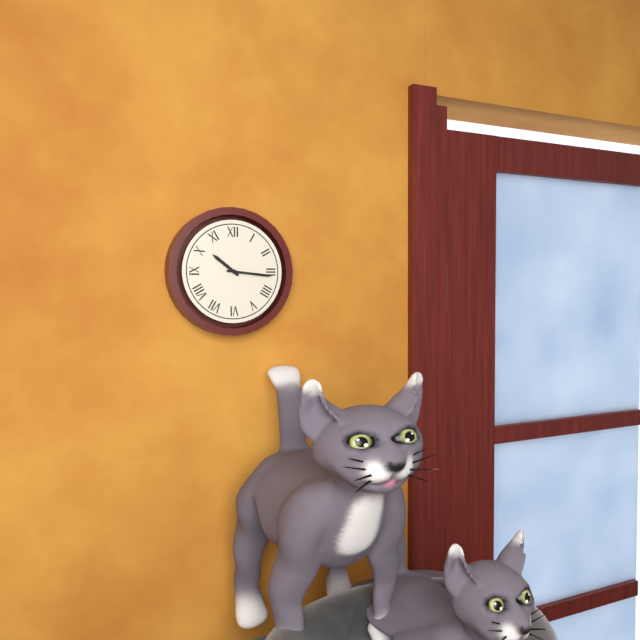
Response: 10:16
